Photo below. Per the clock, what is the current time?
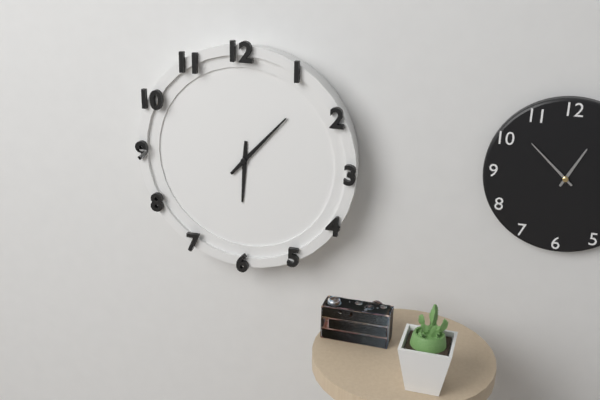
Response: 6:07
